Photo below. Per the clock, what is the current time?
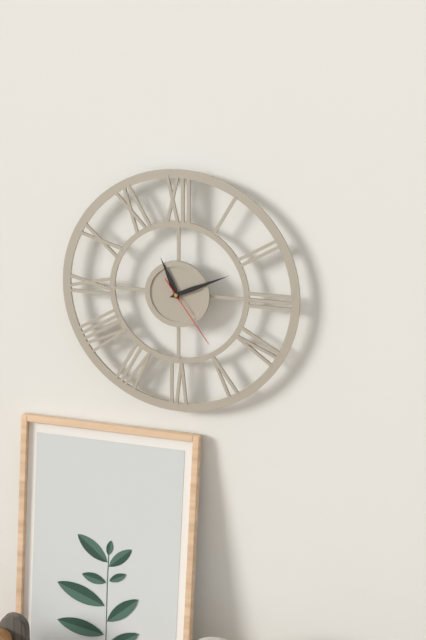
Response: 11:11:24
